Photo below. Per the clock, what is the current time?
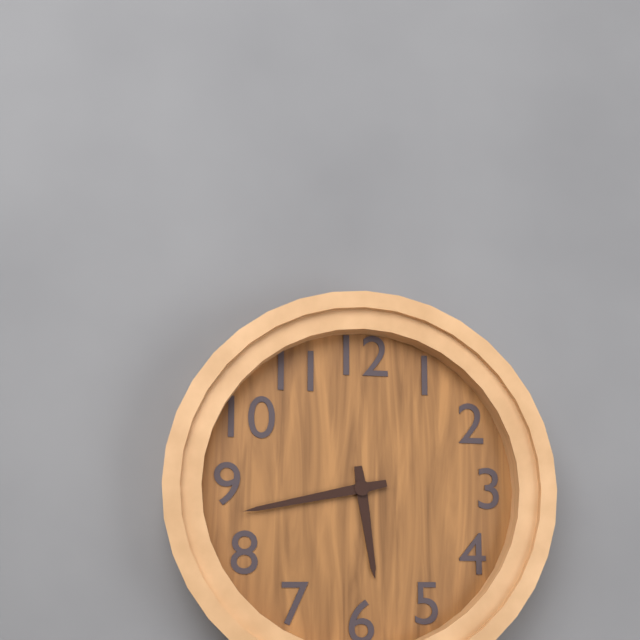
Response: 5:43
